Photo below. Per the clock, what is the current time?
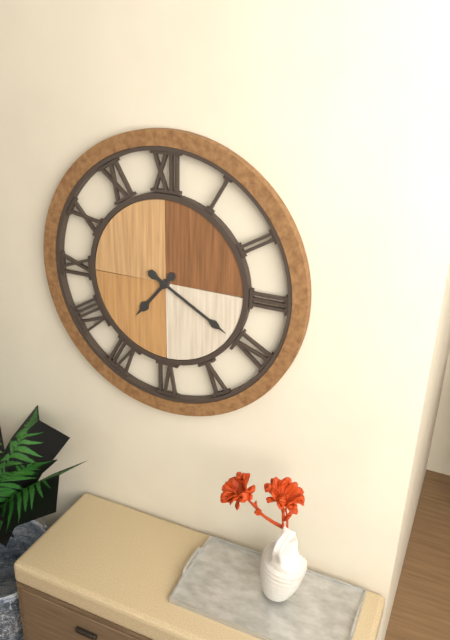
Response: 7:20
